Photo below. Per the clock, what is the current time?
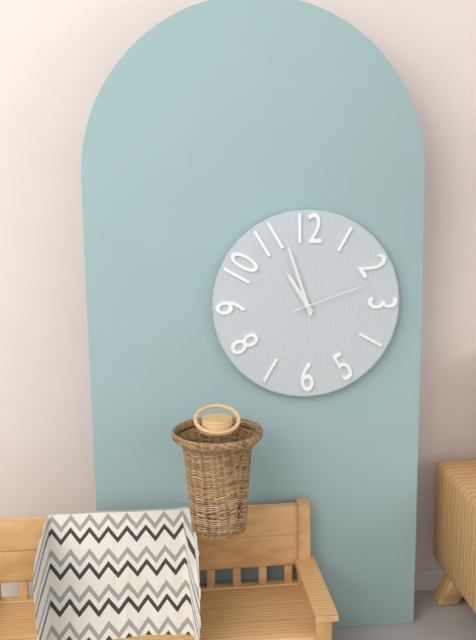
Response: 10:57:12
